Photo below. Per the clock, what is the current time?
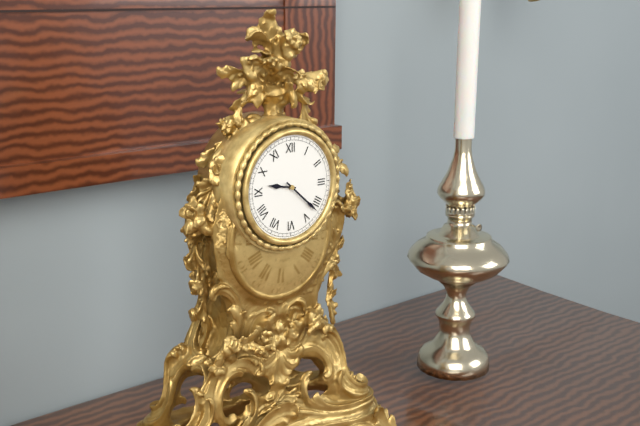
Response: 9:22
